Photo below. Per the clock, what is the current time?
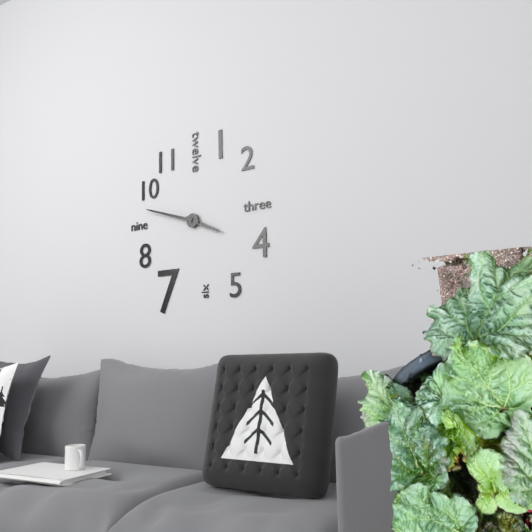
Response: 3:48
